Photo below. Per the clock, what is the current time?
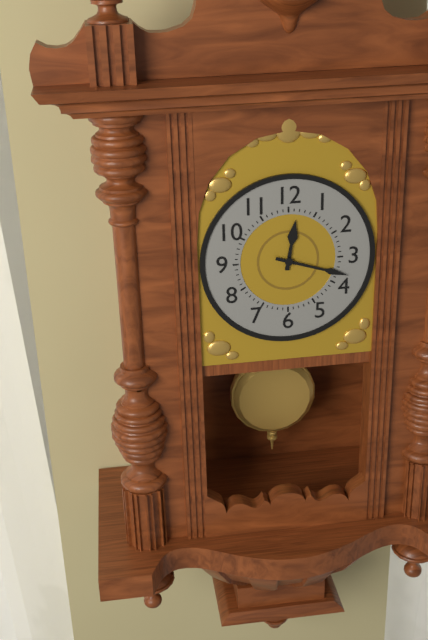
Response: 12:18
